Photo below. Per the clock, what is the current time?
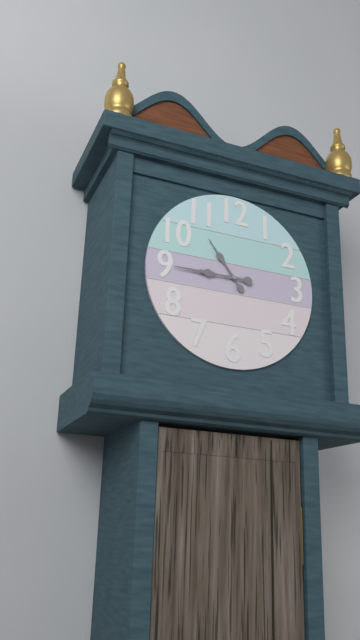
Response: 10:45
